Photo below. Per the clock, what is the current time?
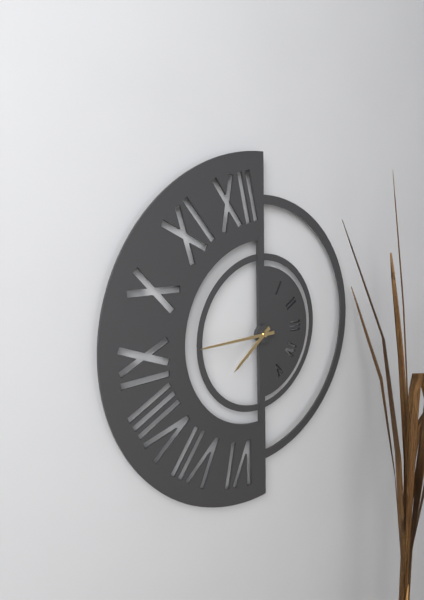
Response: 7:45
